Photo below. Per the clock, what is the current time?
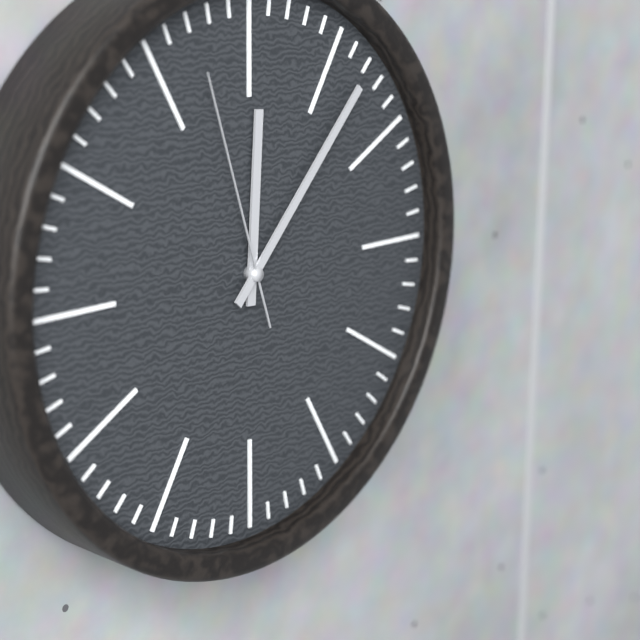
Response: 12:07:57
